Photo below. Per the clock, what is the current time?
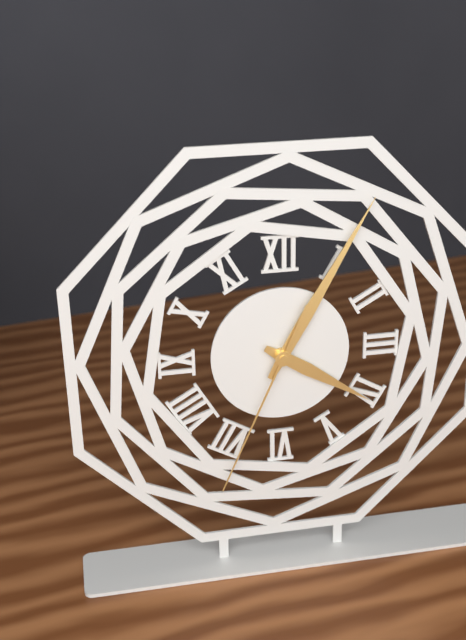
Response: 4:05:34
